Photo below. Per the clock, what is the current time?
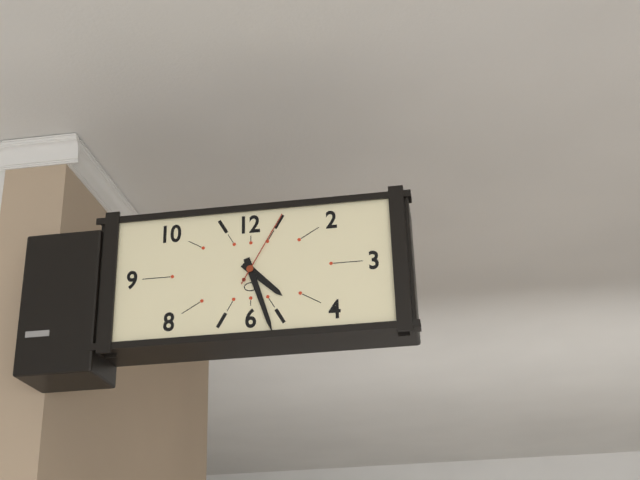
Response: 4:27:05
